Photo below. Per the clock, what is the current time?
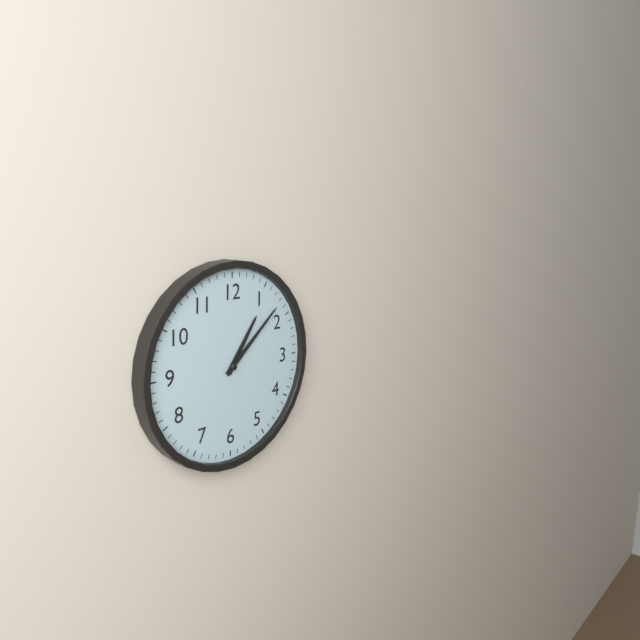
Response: 1:08
